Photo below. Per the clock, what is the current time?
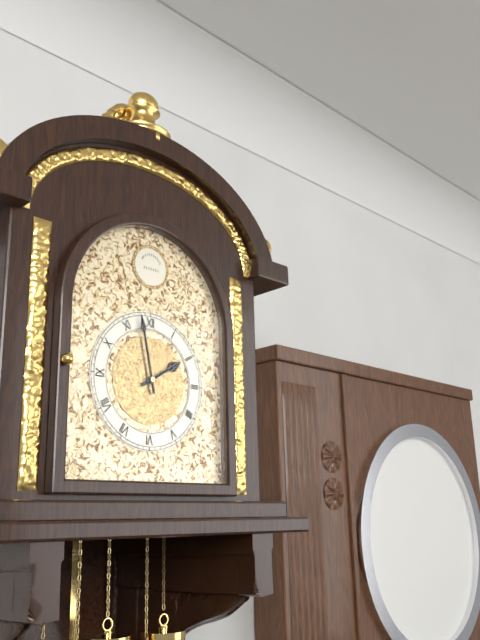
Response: 1:58
